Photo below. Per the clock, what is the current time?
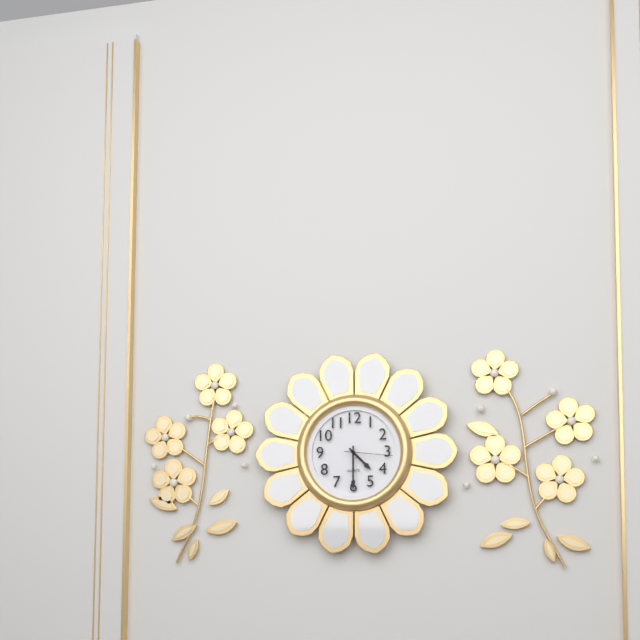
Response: 4:30
